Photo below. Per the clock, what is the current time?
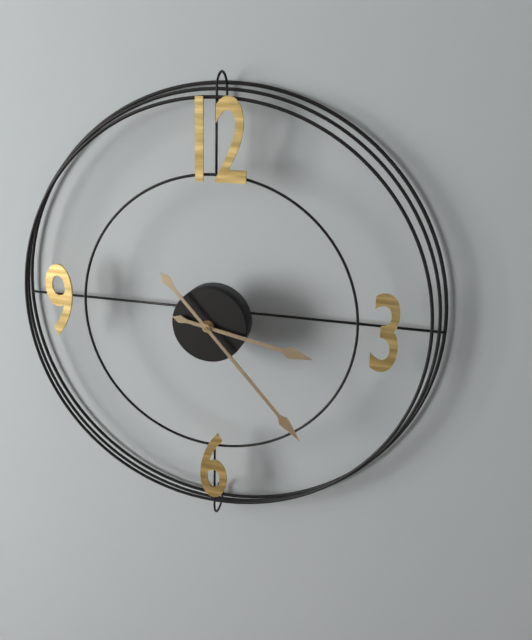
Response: 3:23
